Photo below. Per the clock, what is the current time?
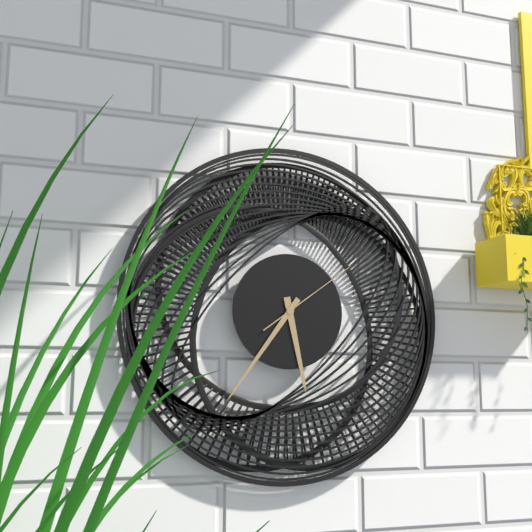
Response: 5:36:09
